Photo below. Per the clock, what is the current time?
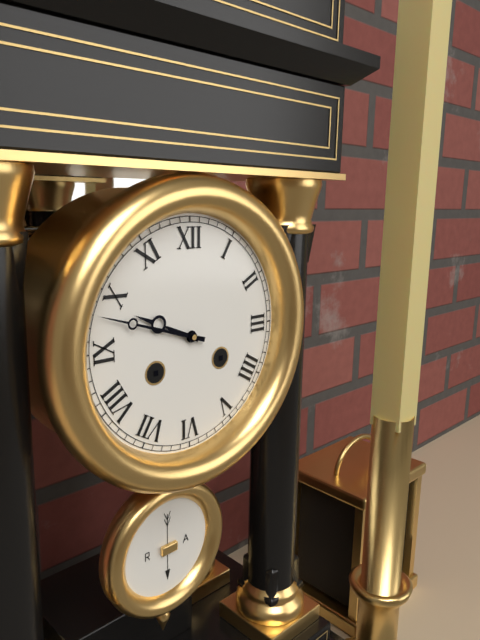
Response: 9:48
